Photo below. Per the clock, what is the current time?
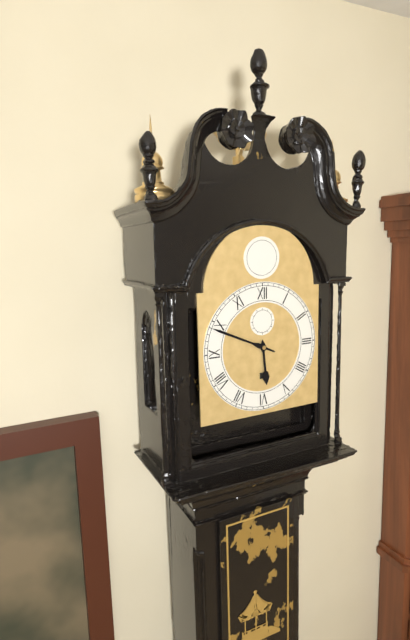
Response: 5:49
